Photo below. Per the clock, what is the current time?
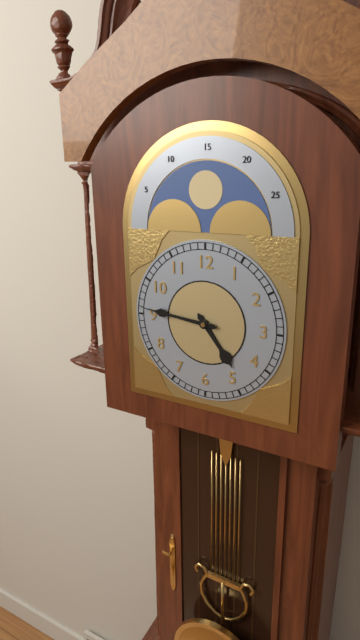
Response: 4:46
